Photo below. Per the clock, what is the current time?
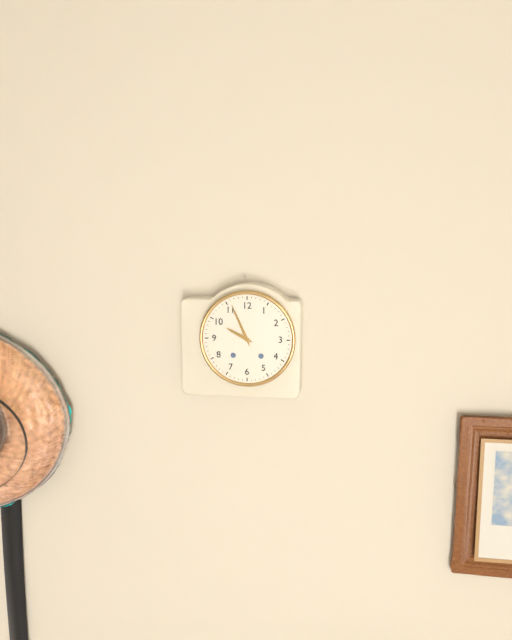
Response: 9:56
